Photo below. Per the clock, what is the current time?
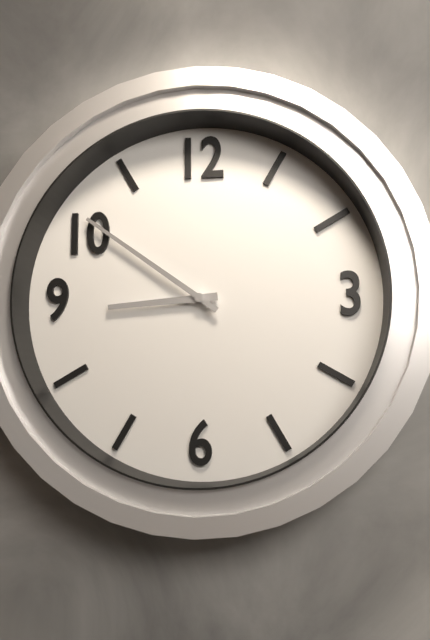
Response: 8:51
